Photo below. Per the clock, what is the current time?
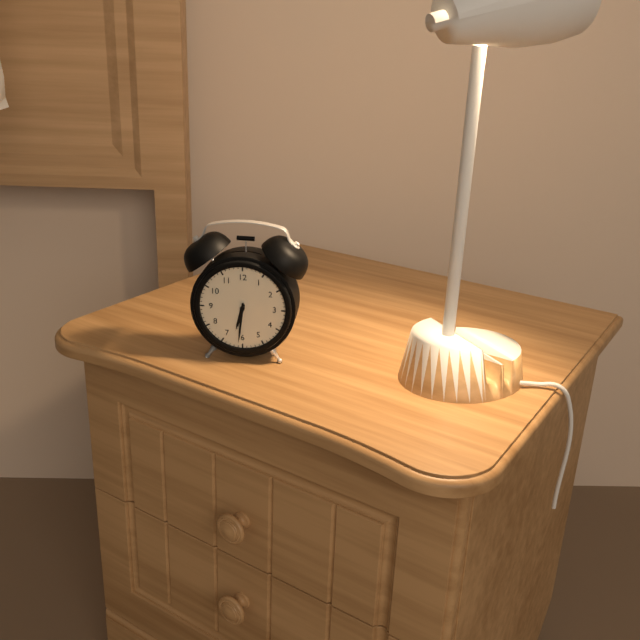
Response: 6:31
